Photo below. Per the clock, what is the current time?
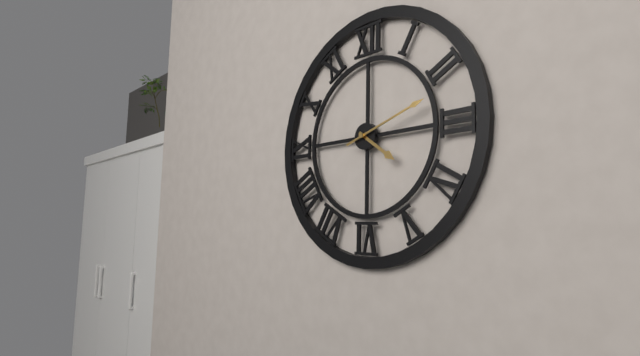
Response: 4:12
